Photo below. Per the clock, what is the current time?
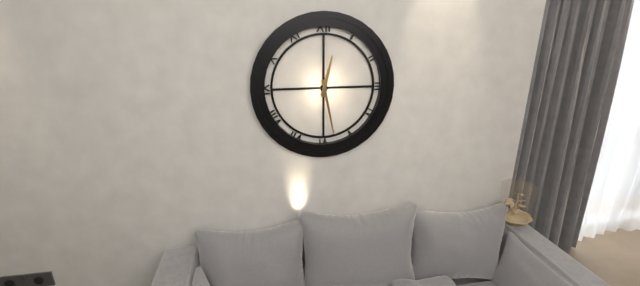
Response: 12:28
